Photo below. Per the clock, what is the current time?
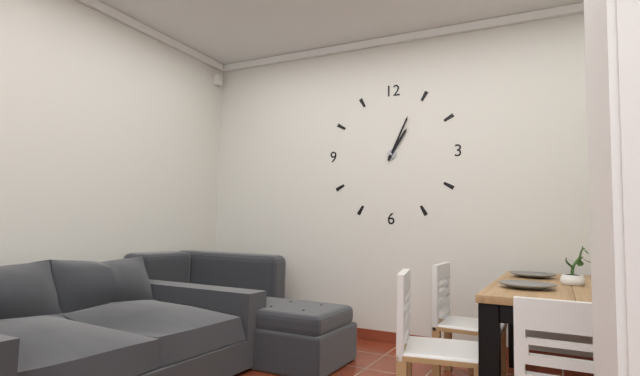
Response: 1:04
